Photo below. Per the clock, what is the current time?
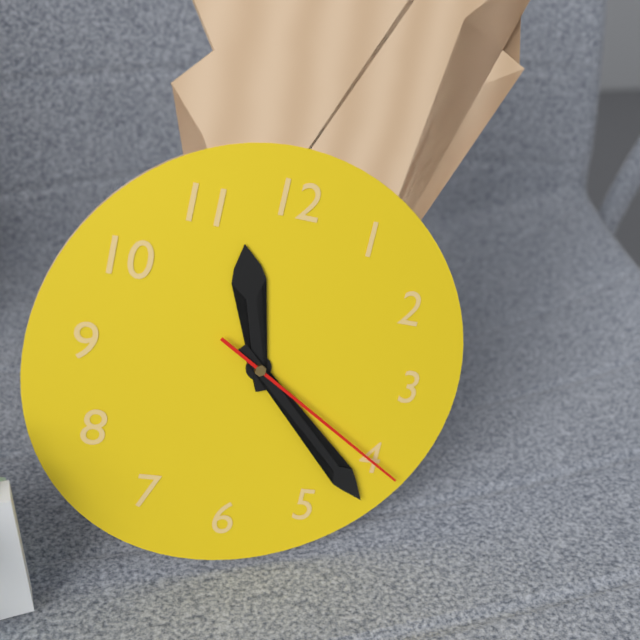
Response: 11:22:20
